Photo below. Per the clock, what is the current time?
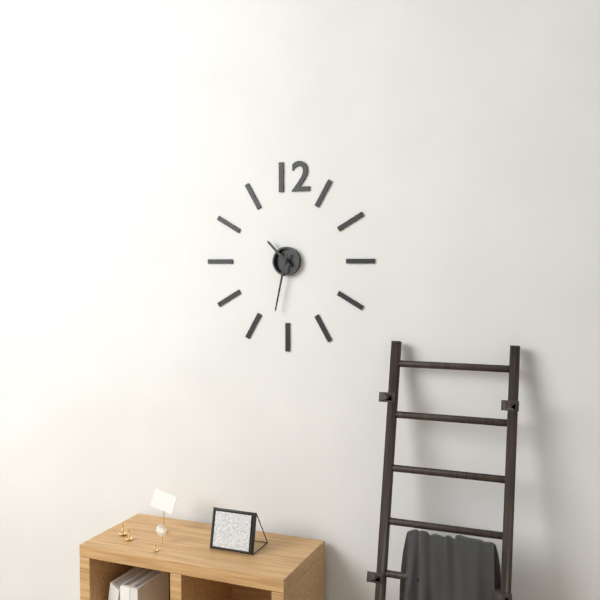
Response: 10:32
